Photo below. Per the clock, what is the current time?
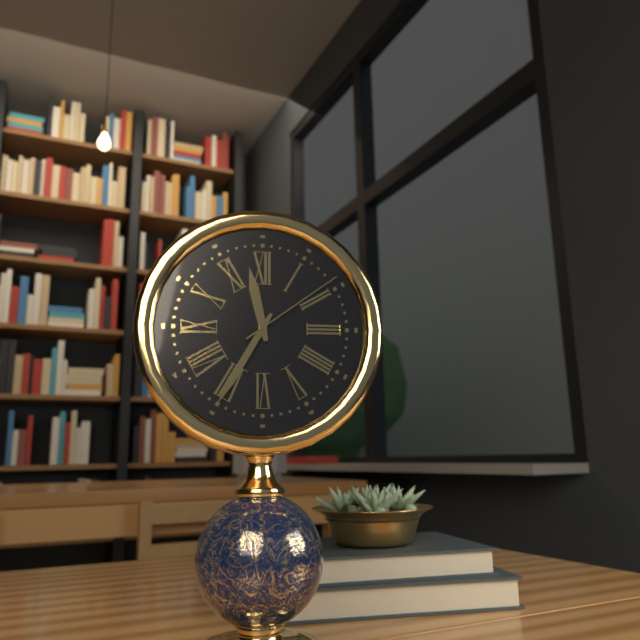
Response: 11:35:09
